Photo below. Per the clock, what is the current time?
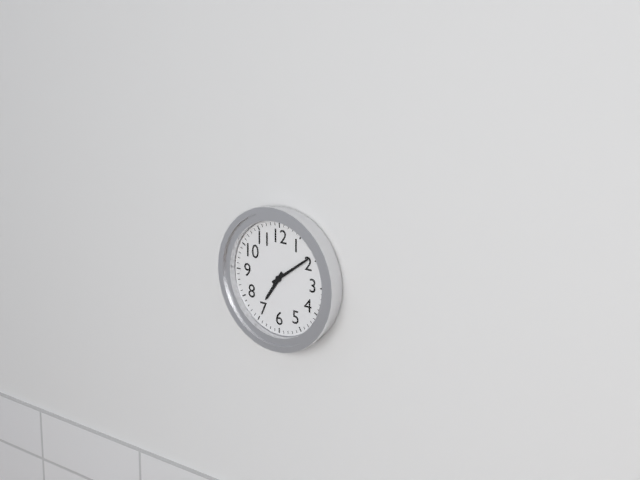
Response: 7:09
